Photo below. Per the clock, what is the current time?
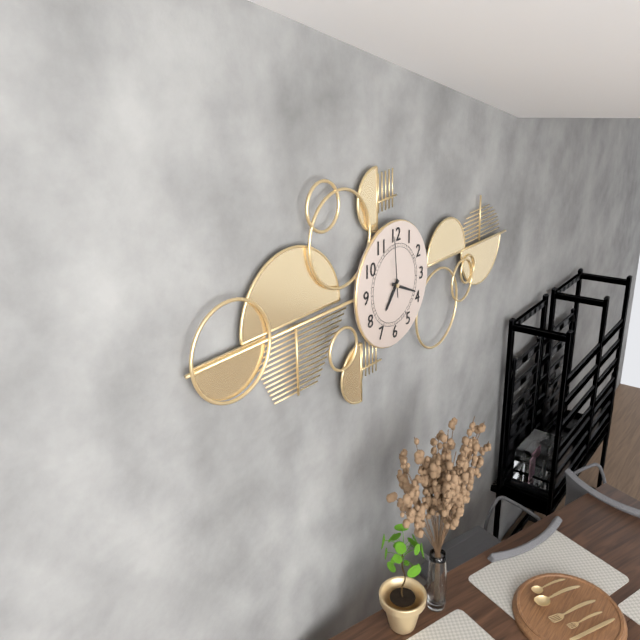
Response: 7:19:59
